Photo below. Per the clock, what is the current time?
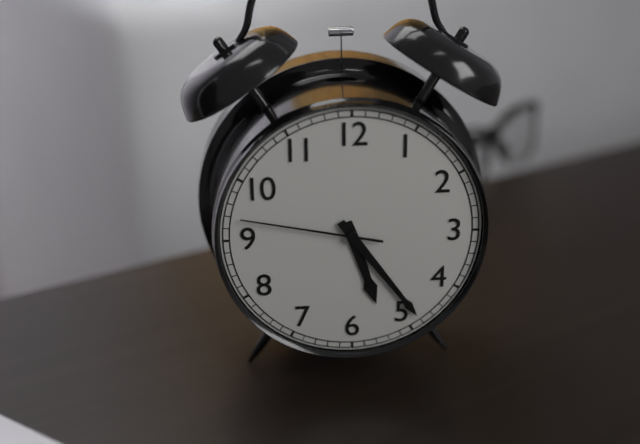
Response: 5:24:47
